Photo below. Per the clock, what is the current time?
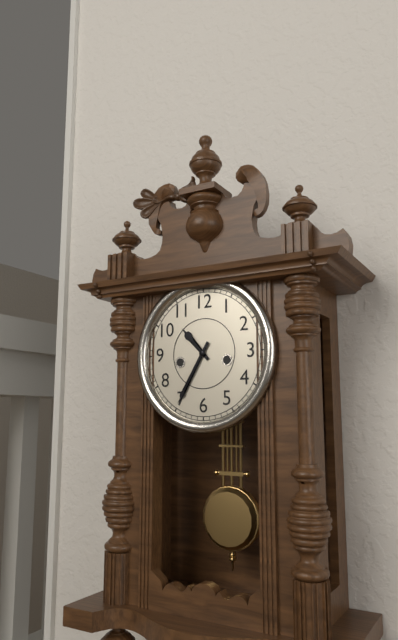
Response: 10:35
